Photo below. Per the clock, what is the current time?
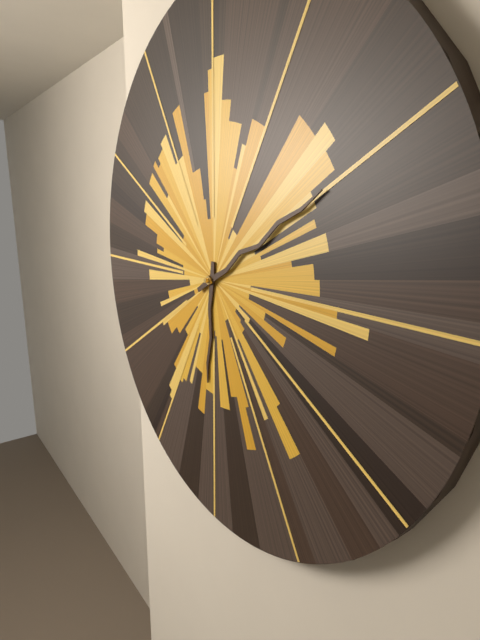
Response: 6:10
